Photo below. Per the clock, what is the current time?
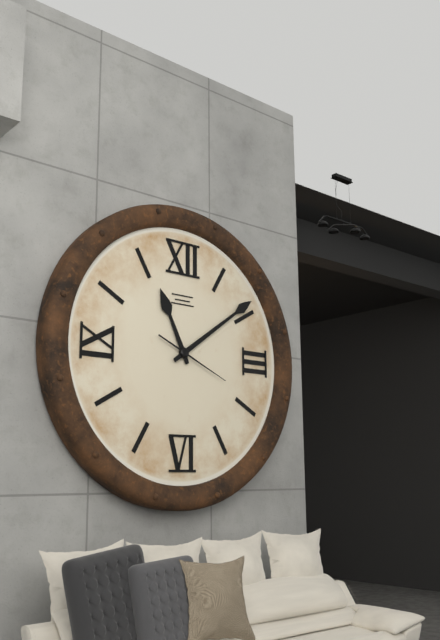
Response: 11:09:19
